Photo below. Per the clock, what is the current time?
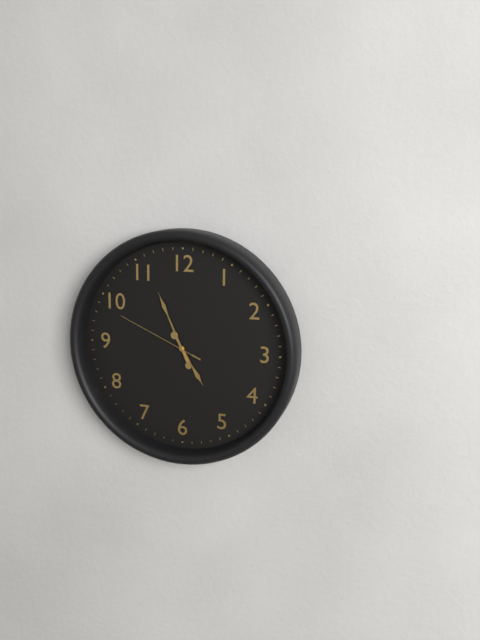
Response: 4:56:49
